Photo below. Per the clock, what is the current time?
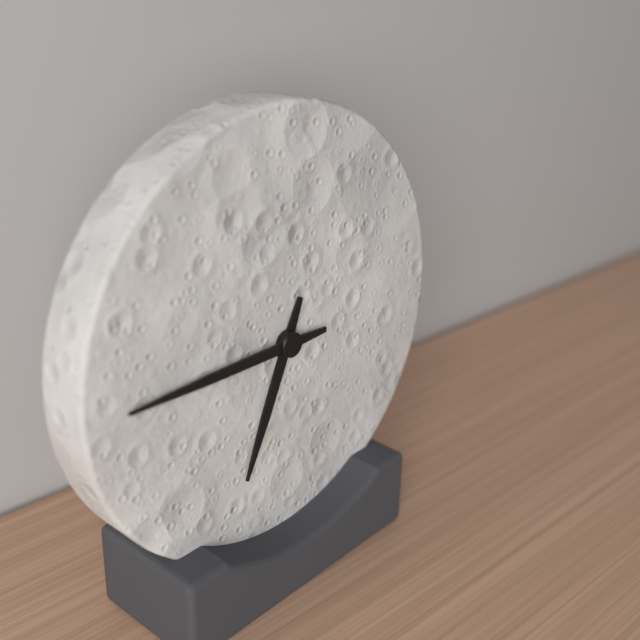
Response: 6:45
